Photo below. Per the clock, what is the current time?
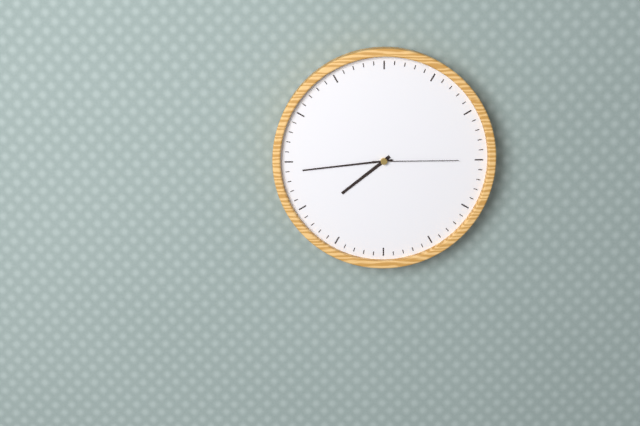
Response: 7:44:15
